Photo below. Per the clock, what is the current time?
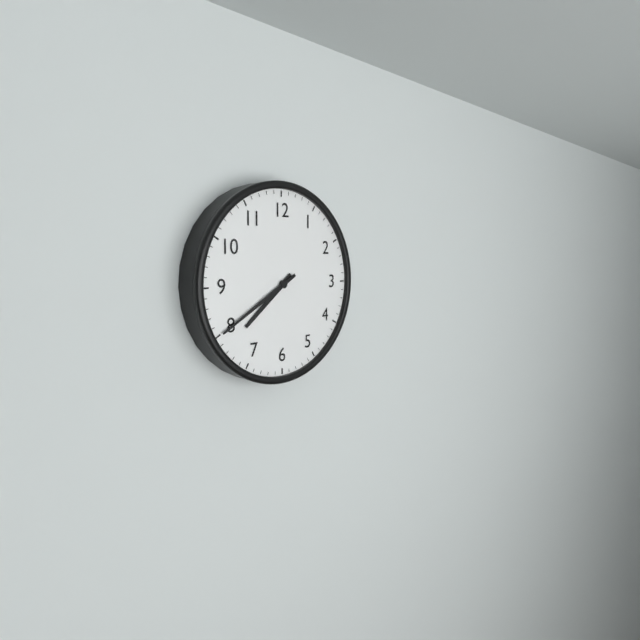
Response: 7:40
